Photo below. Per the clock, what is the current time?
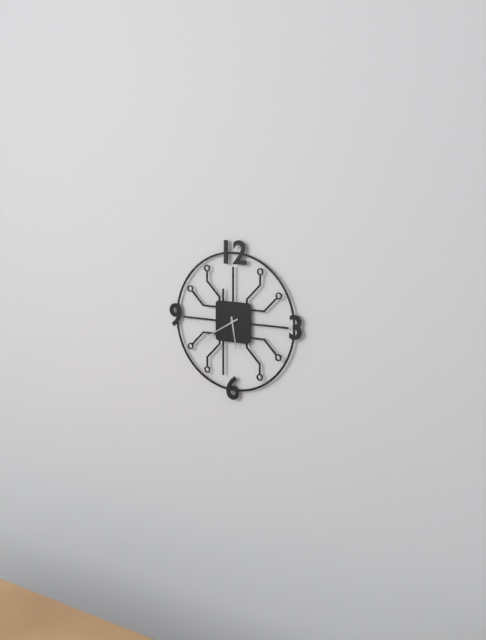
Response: 5:40
